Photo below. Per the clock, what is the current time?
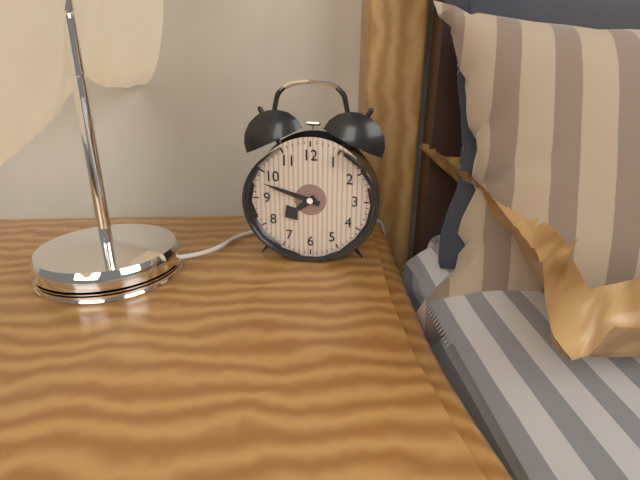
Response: 7:48
